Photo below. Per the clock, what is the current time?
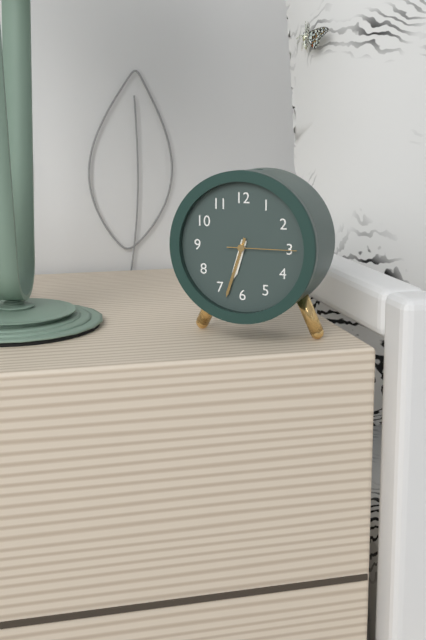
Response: 6:33:15
